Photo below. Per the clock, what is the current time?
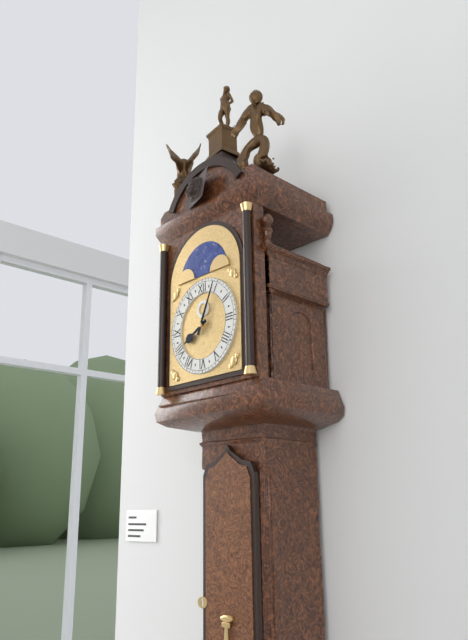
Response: 8:04
